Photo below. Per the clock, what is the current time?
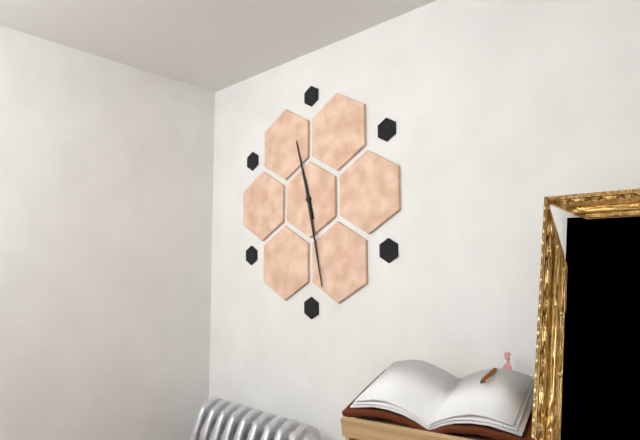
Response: 11:28
